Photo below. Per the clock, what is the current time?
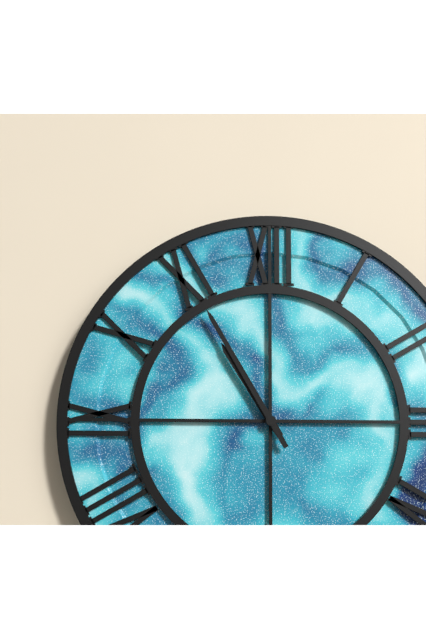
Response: 10:55
